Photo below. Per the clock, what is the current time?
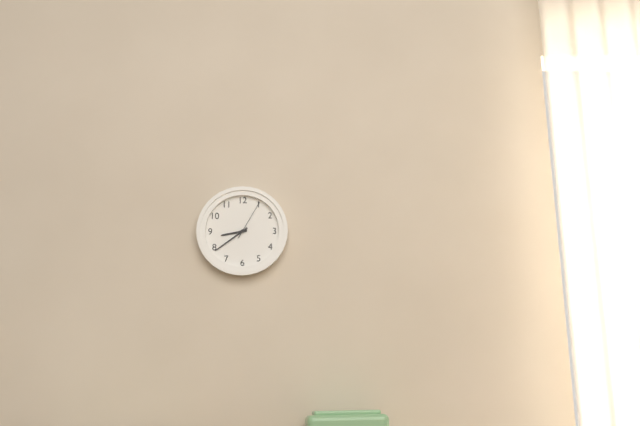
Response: 8:39
